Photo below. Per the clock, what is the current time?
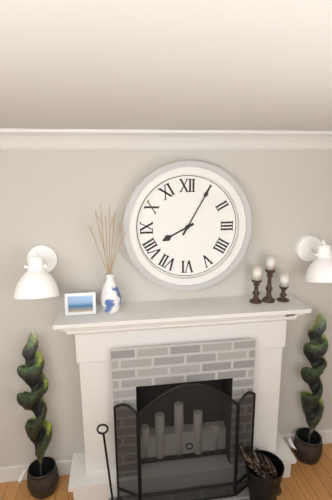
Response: 8:05
